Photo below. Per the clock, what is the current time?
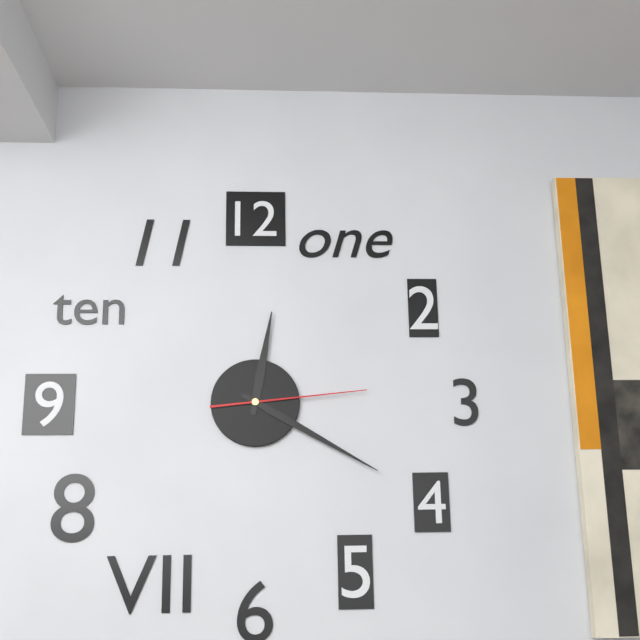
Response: 12:20:14
